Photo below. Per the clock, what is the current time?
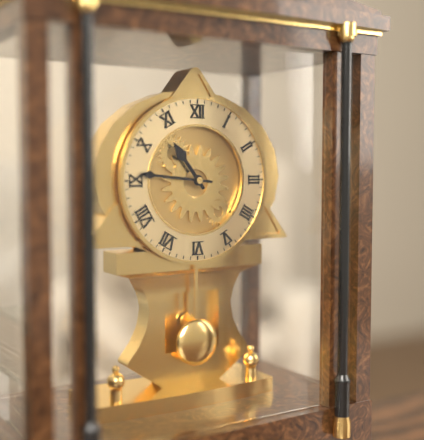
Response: 10:46
